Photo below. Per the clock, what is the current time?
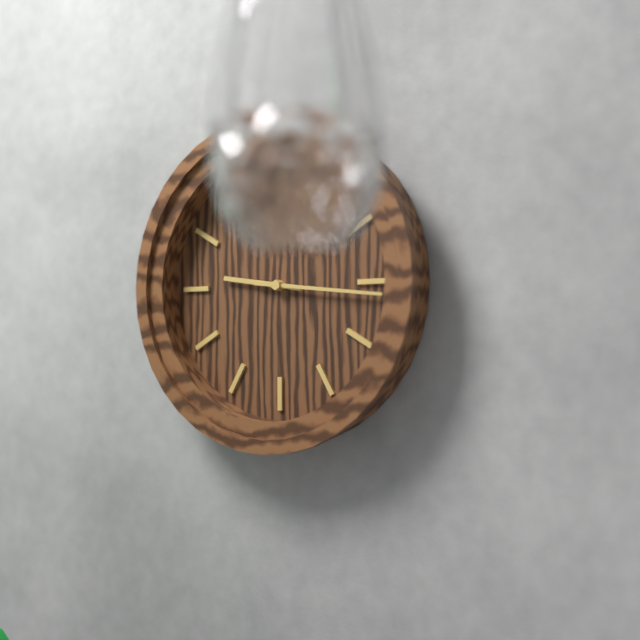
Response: 9:16
